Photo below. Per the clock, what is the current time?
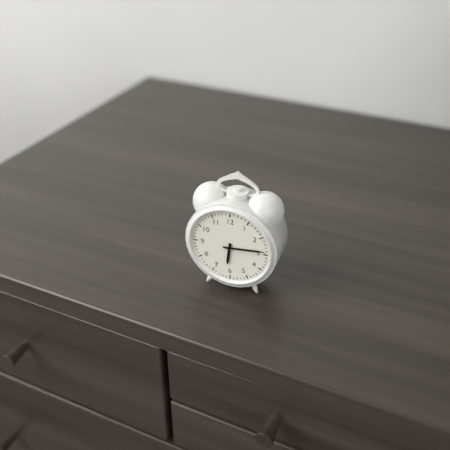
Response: 6:14
